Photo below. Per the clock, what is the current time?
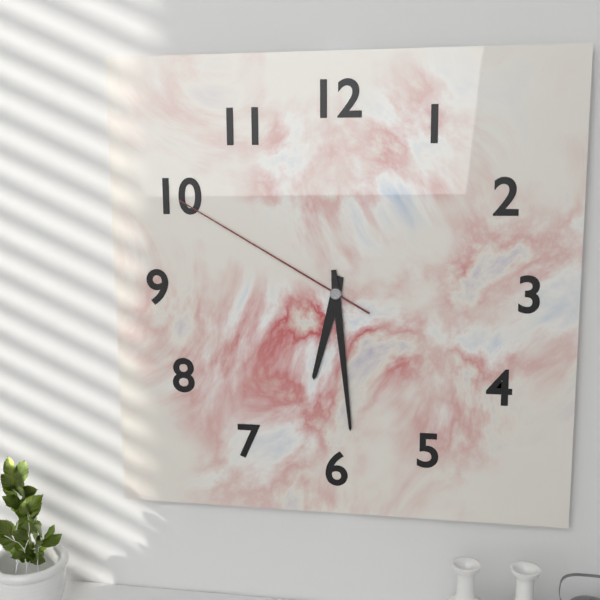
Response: 6:29:50
